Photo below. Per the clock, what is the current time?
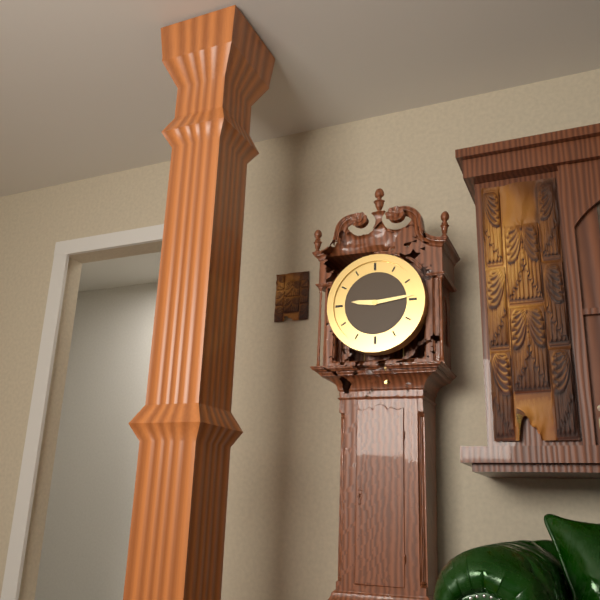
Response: 9:14
